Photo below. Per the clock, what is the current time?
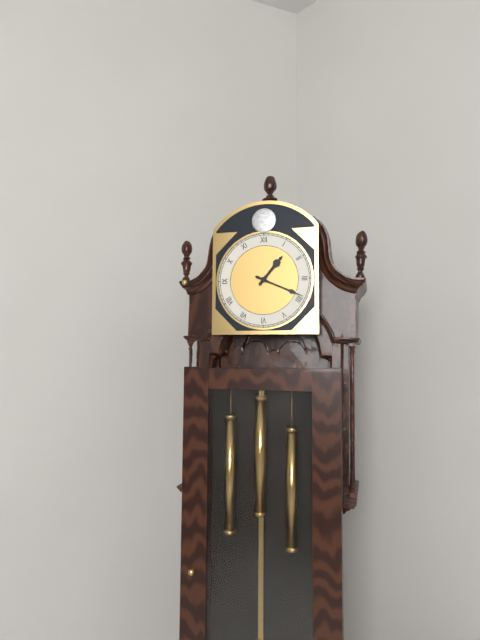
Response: 1:19
